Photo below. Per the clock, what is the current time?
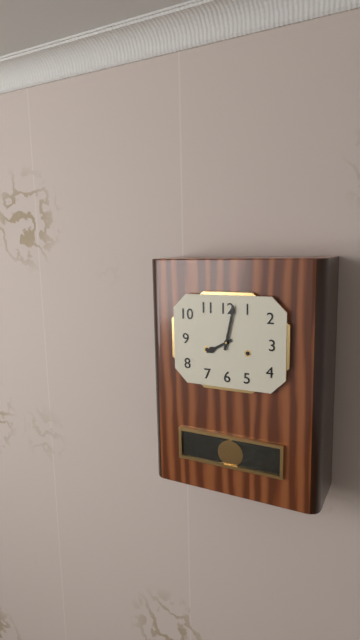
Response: 8:02
